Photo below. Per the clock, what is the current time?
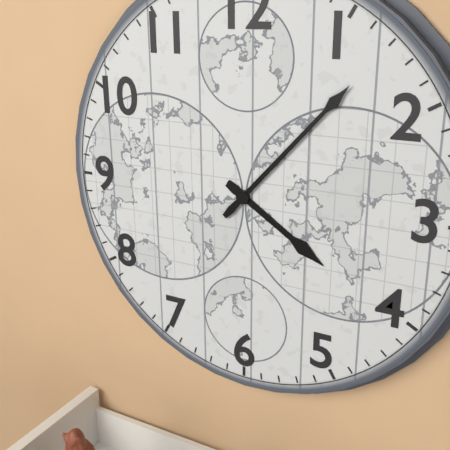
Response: 4:07
